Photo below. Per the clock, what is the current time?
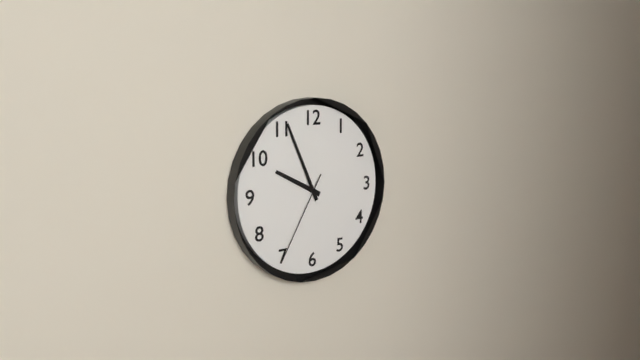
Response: 9:56:35
